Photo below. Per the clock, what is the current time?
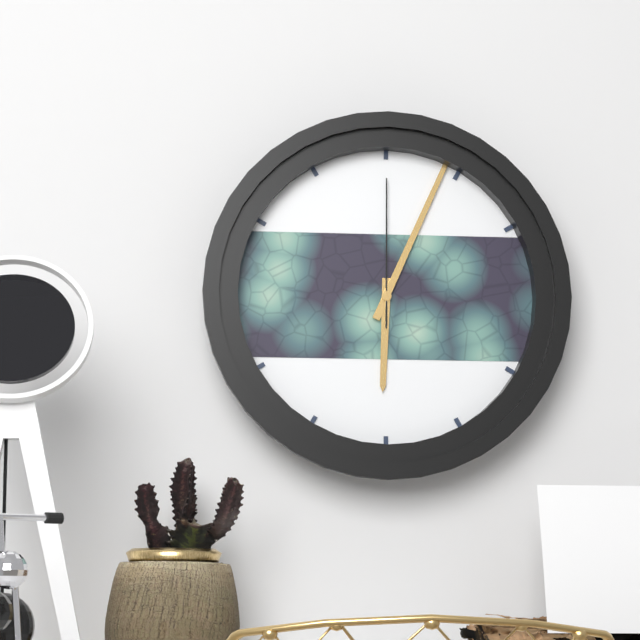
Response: 6:04:00
